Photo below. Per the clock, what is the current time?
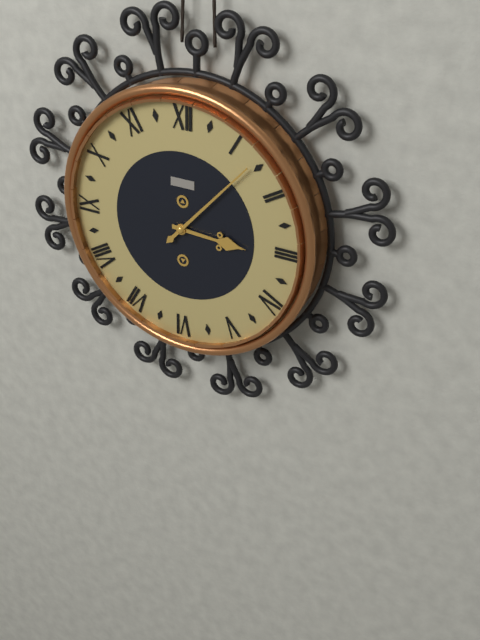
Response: 3:07
